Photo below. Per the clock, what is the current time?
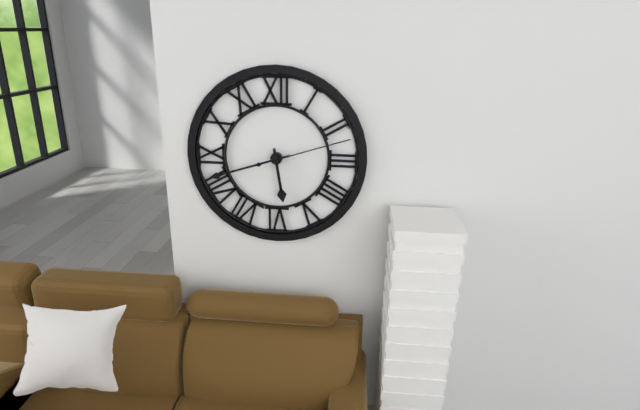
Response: 5:42:12
